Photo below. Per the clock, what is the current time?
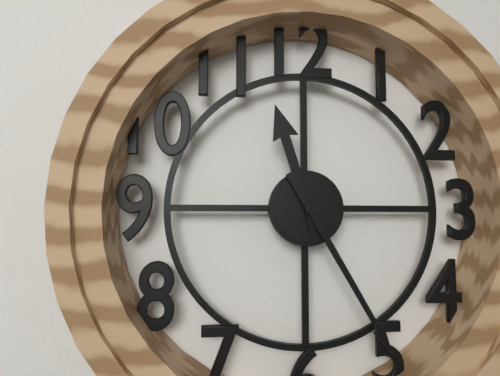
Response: 11:25
